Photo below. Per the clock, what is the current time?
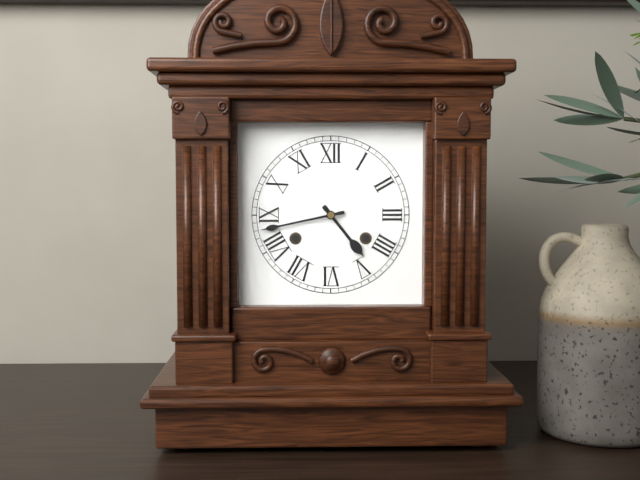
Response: 4:43
